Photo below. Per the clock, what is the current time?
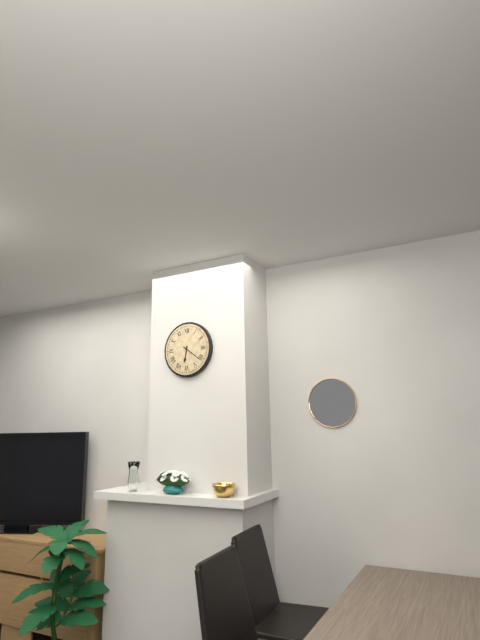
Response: 6:21
